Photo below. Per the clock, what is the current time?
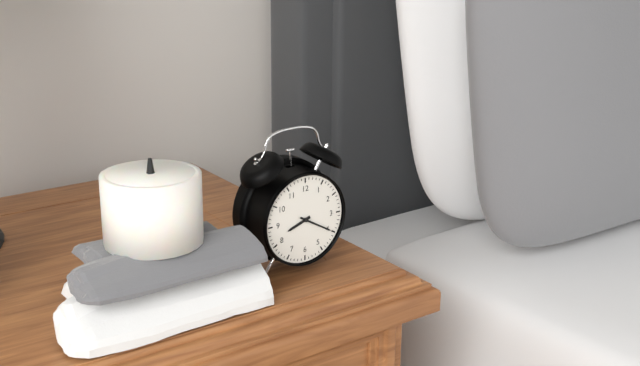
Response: 8:20
